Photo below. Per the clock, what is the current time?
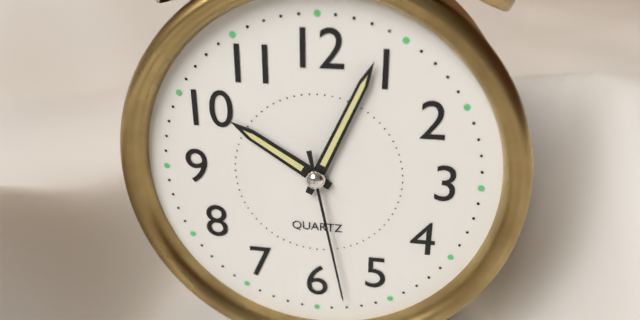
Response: 10:04:28
